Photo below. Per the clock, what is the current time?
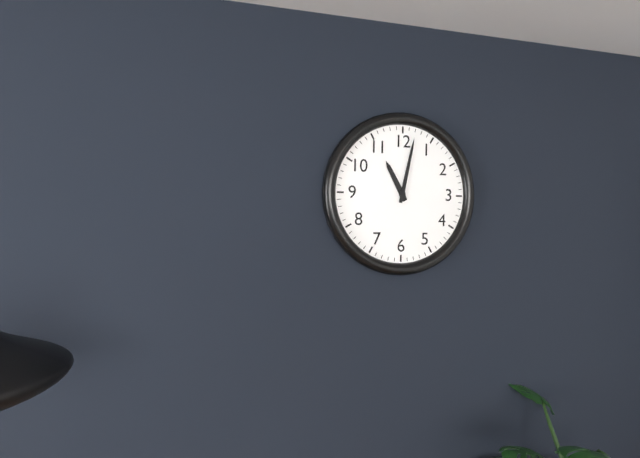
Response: 11:02
